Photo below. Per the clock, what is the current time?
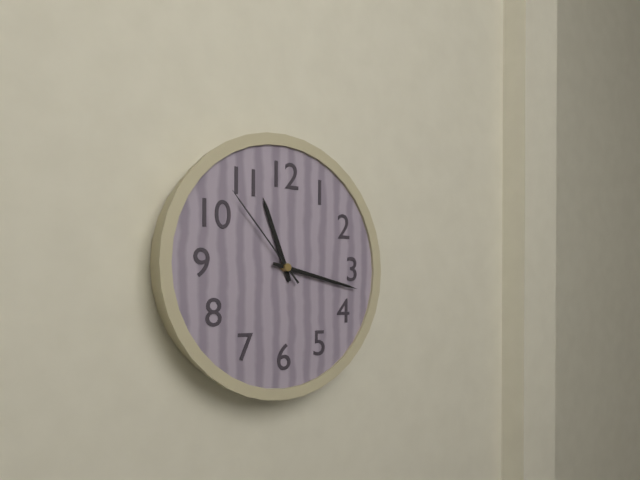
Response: 11:17:53
